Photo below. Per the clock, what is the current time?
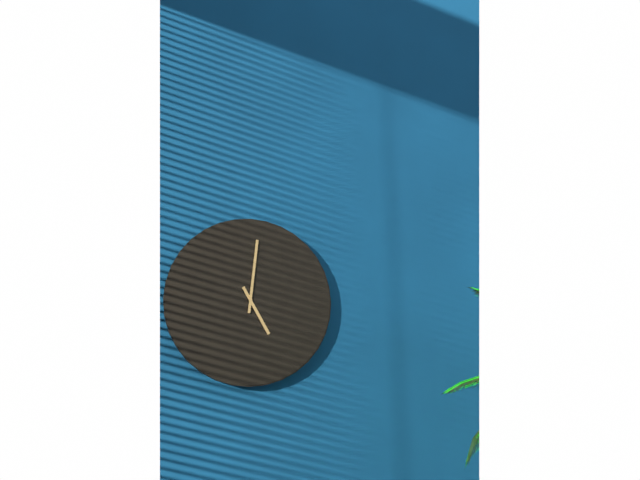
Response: 5:01
